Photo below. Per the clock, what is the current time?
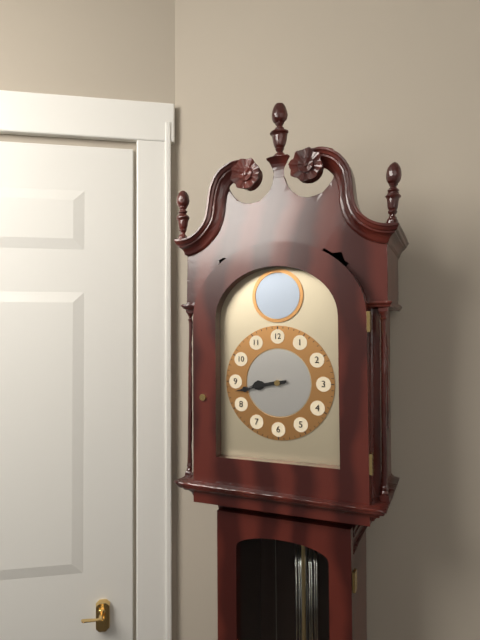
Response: 8:43
